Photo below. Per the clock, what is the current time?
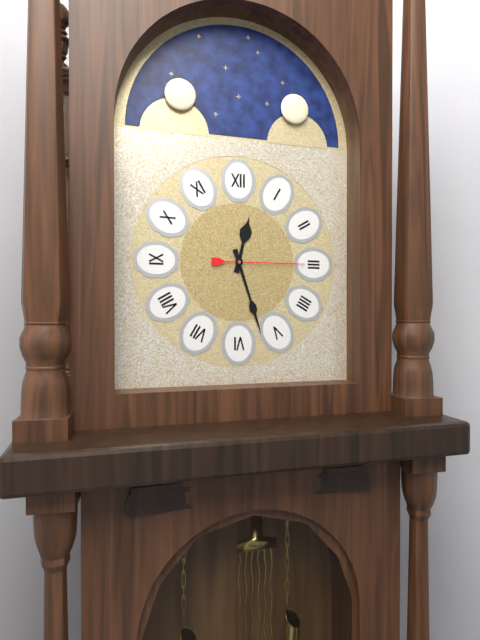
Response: 12:27:15
